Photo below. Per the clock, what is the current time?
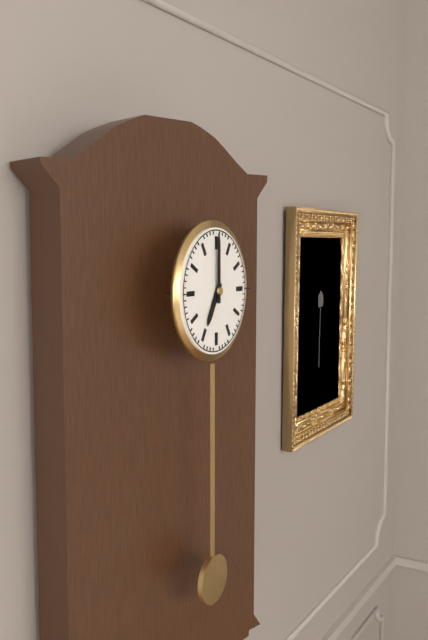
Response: 7:00
